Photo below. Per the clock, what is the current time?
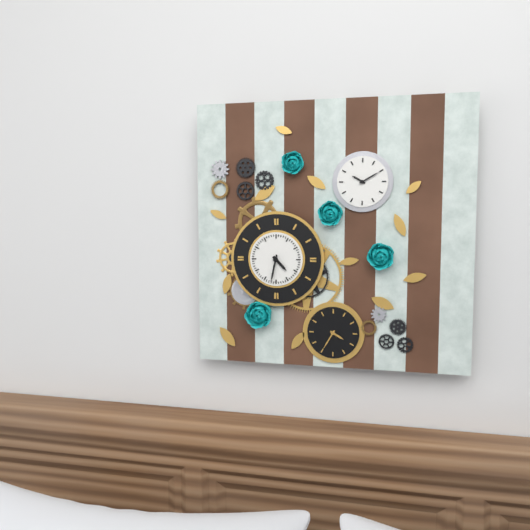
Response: 4:32
